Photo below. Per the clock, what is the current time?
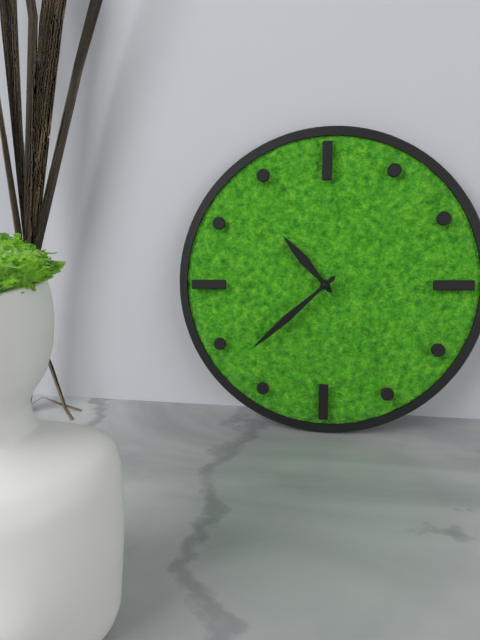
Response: 10:38
